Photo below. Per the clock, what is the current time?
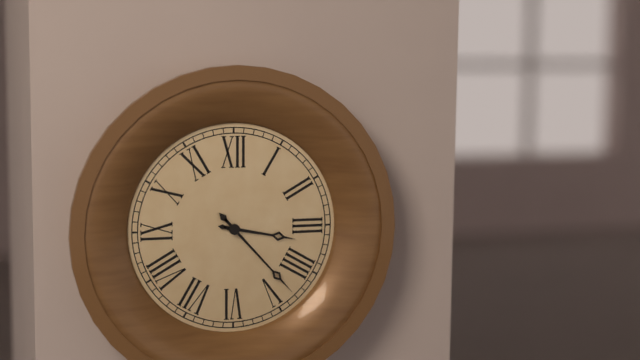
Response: 3:23
